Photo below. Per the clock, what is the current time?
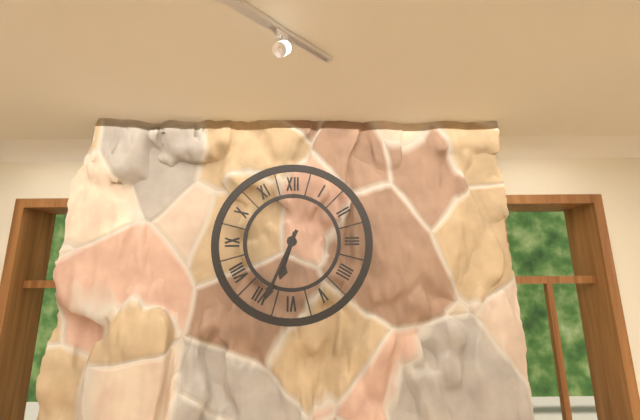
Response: 6:34
